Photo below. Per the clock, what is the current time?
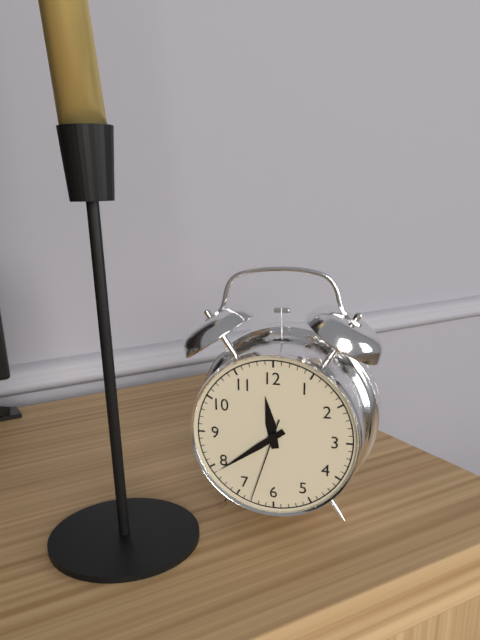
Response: 11:39:33
